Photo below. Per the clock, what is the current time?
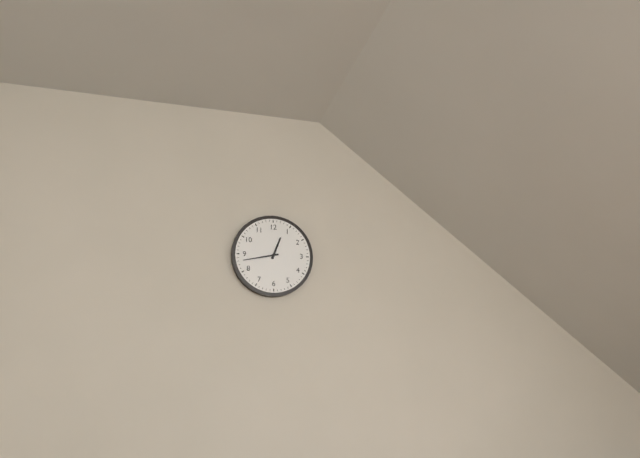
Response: 12:43
